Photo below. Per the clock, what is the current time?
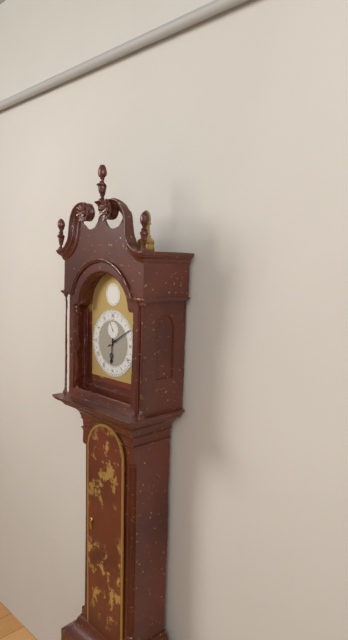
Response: 6:10
